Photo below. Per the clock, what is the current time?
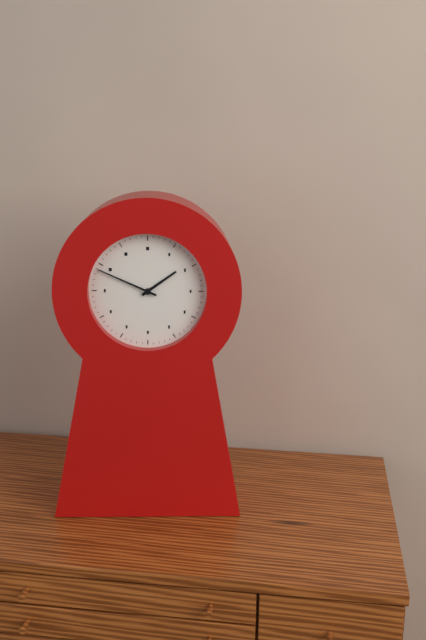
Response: 1:49
